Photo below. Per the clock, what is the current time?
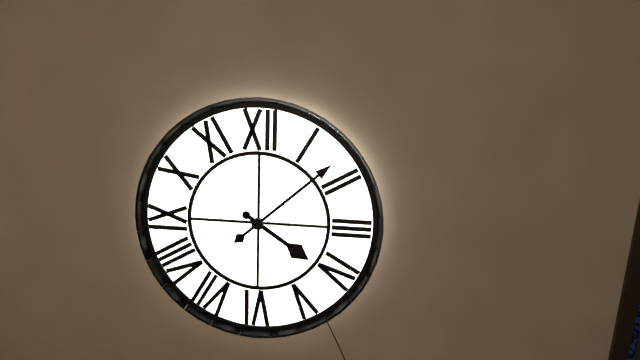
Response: 4:08
